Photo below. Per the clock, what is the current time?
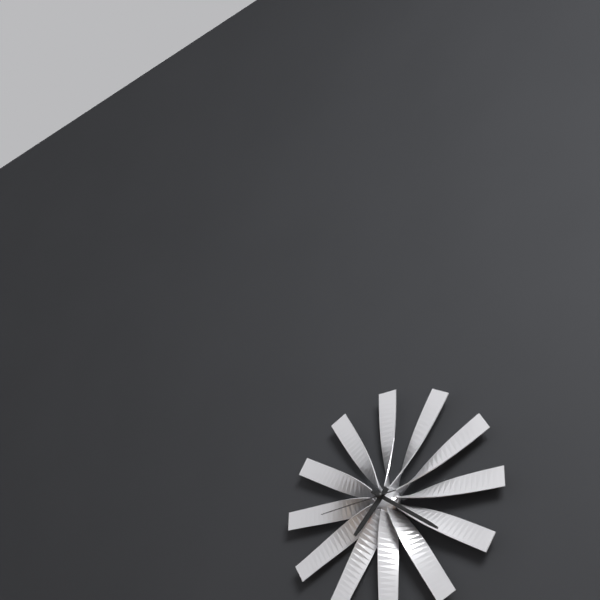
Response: 7:21:44
